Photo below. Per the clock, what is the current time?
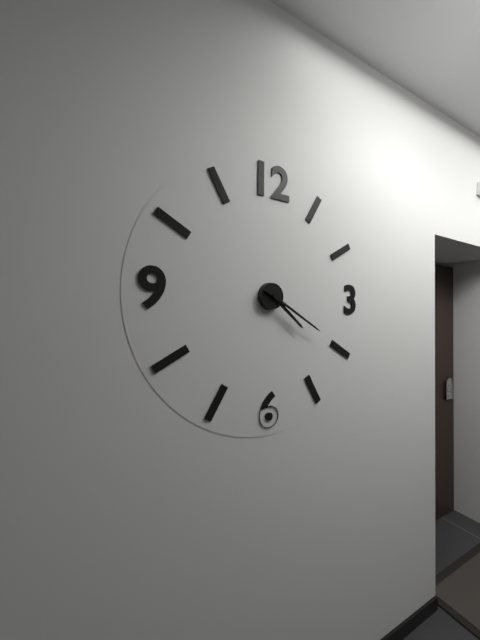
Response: 4:20
